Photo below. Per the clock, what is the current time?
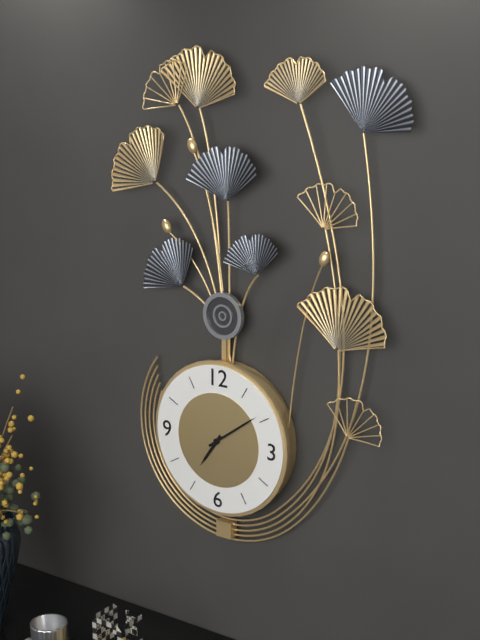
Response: 7:09
